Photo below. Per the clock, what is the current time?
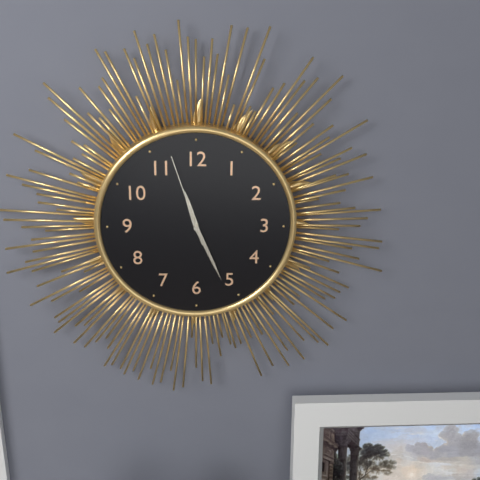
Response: 11:26:57
